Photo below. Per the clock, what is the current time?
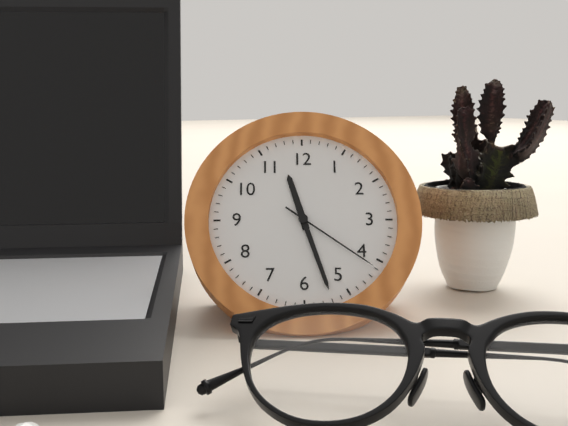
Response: 11:27:21
